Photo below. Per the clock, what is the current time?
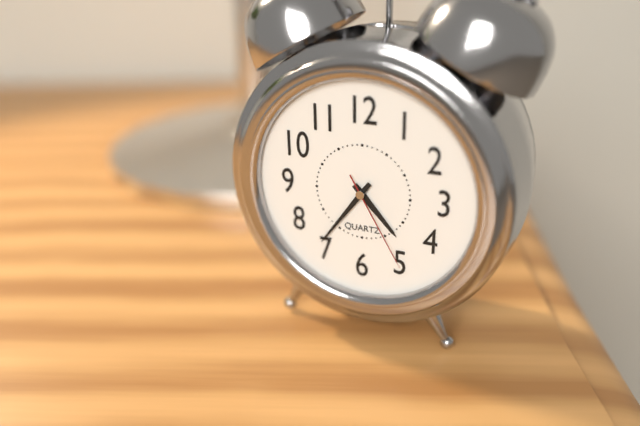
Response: 4:36:25
